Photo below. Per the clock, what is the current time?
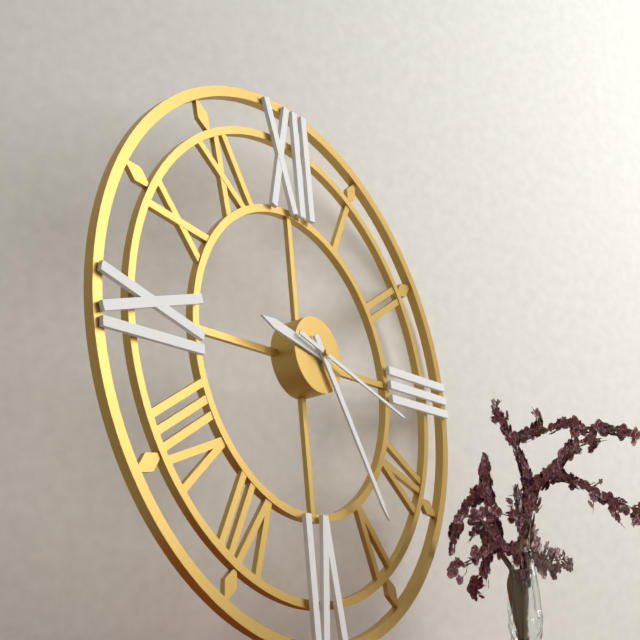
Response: 9:25:18
